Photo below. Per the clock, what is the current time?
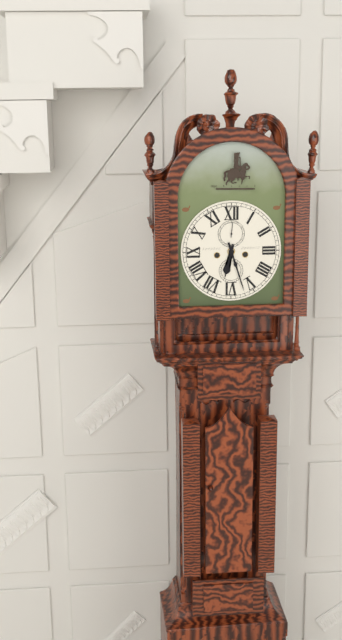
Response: 6:27
